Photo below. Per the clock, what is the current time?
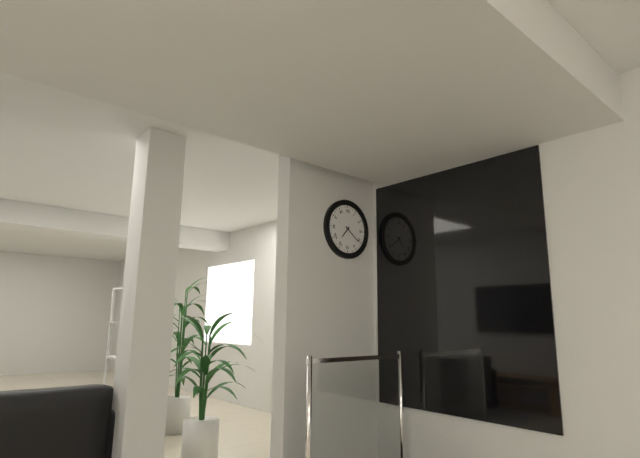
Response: 7:21
